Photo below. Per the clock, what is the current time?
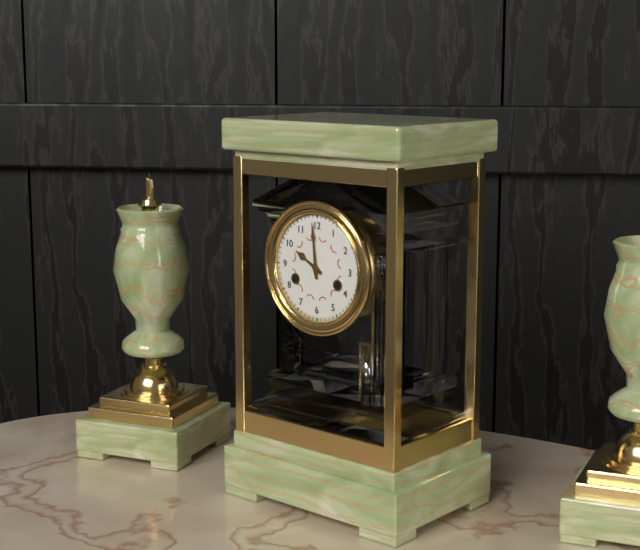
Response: 9:59
